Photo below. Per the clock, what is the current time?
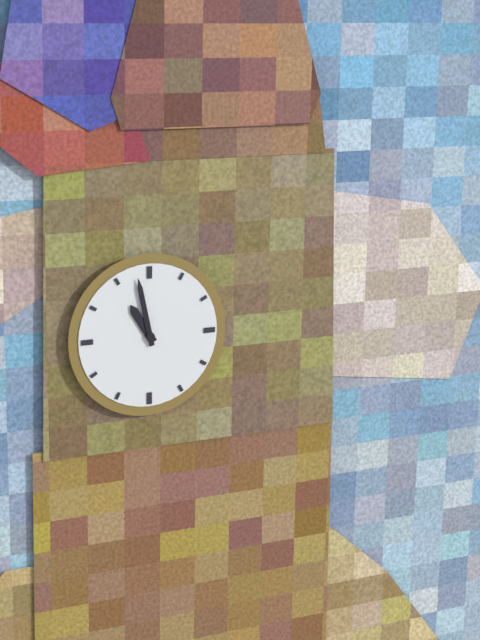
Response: 10:58
